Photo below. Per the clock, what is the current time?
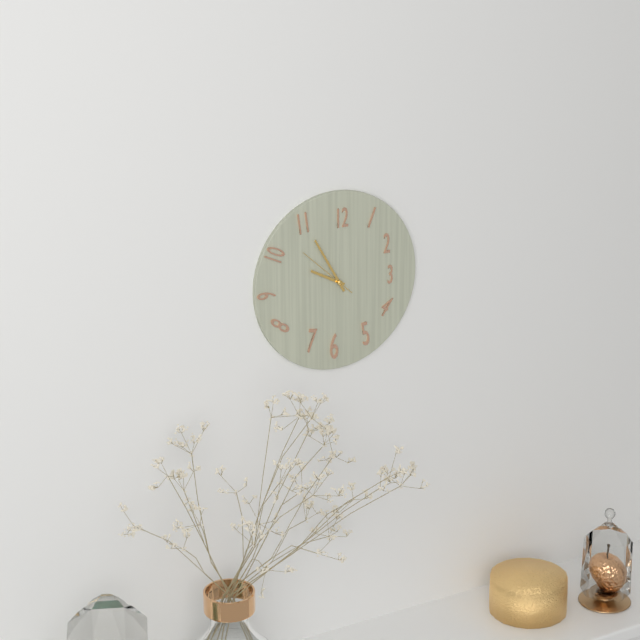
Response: 9:55:52
